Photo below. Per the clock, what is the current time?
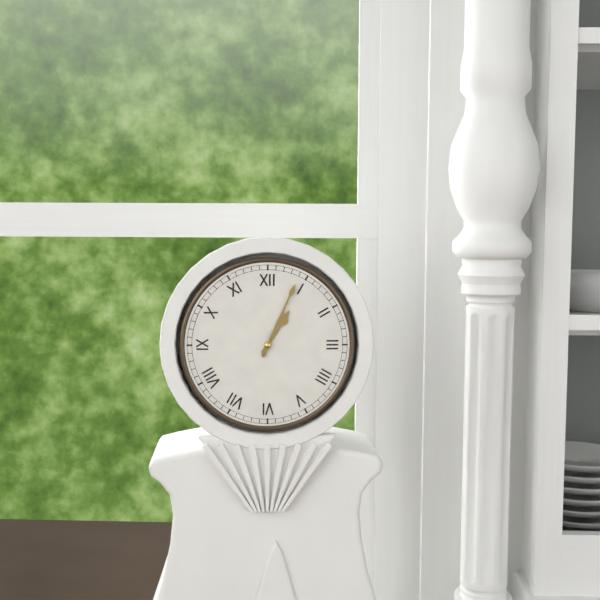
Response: 1:04
